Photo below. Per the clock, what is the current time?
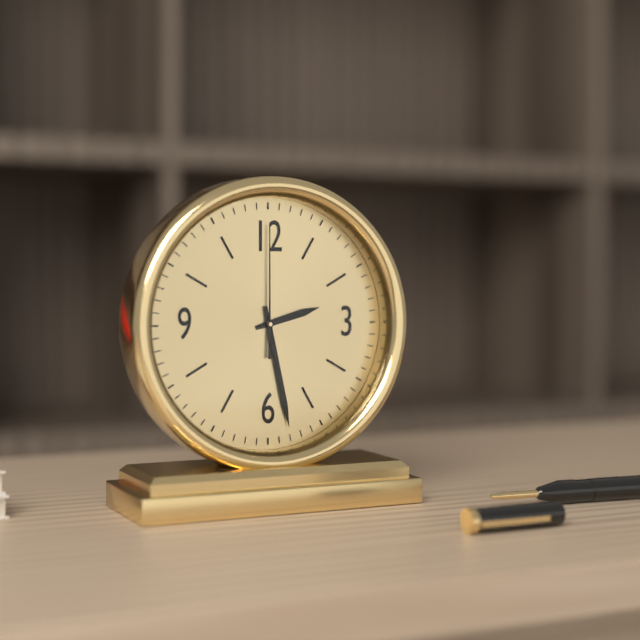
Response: 2:28:00
